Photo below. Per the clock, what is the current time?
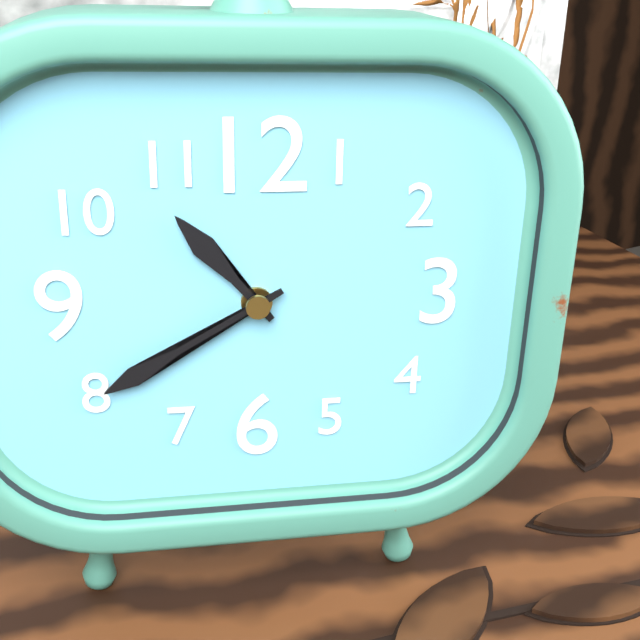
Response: 10:40
